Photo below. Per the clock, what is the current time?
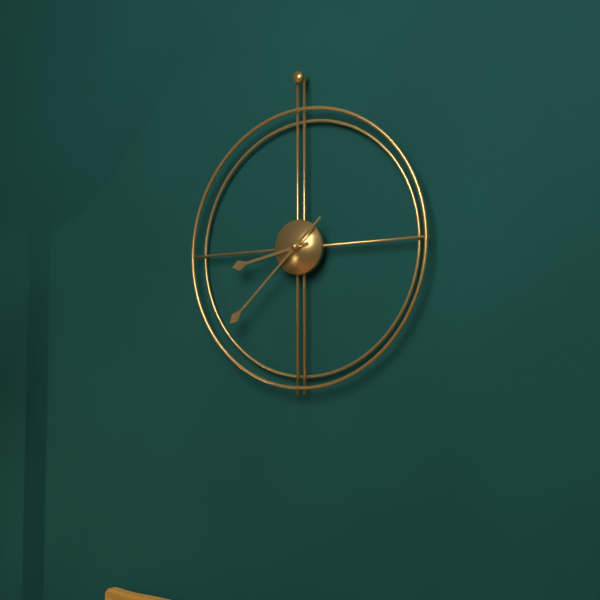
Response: 8:38
